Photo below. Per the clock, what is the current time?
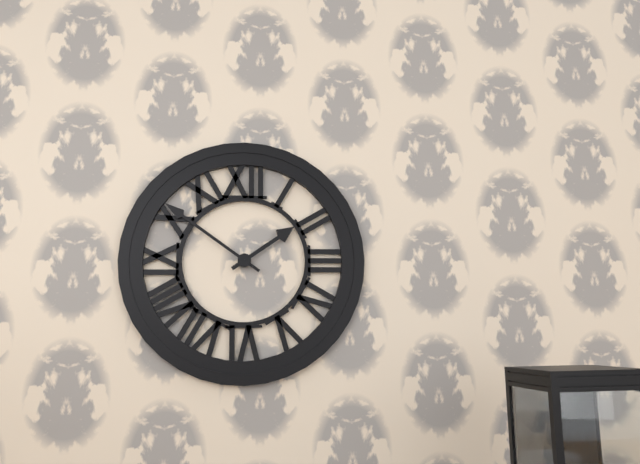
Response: 1:51
